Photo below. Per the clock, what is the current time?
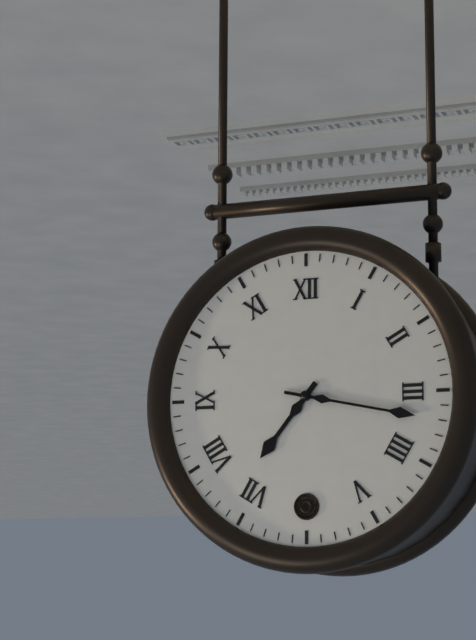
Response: 7:17
